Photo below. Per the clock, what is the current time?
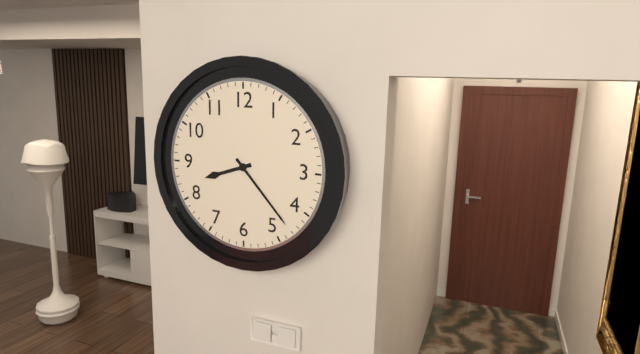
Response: 8:23
